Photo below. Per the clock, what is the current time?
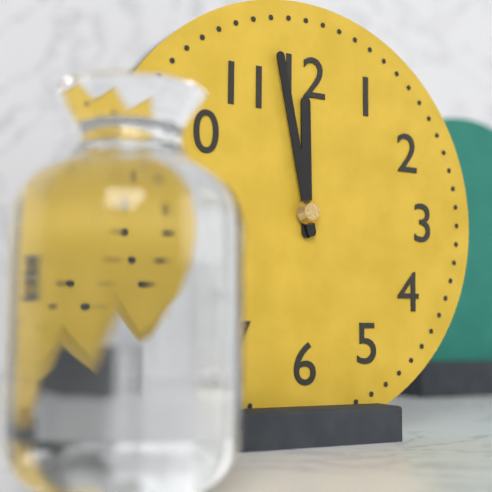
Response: 11:58
